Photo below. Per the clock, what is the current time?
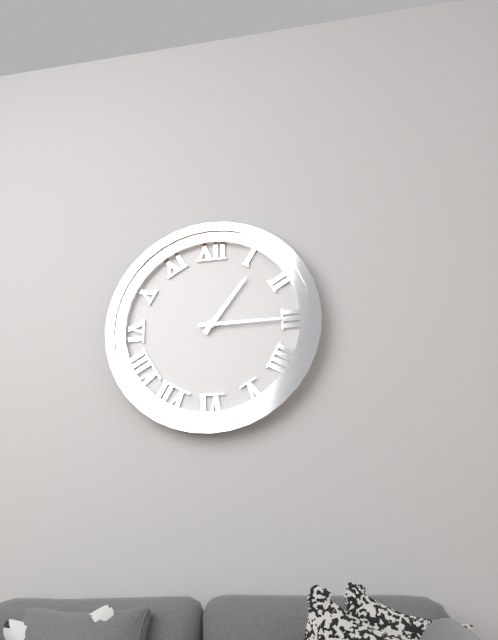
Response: 1:15
